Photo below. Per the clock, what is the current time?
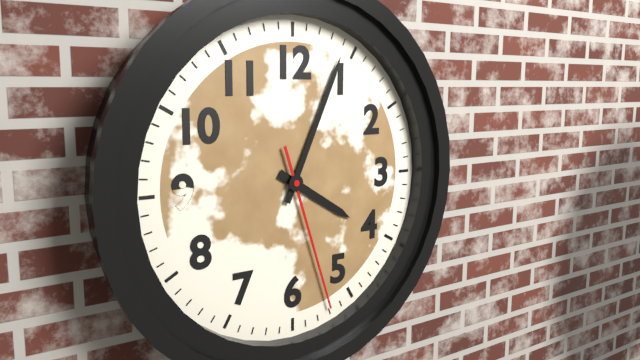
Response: 4:04:27
